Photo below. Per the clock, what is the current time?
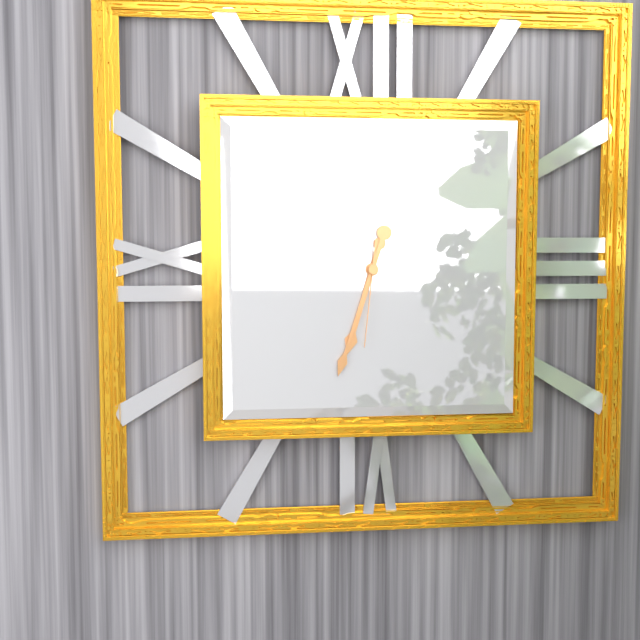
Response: 6:33:31
